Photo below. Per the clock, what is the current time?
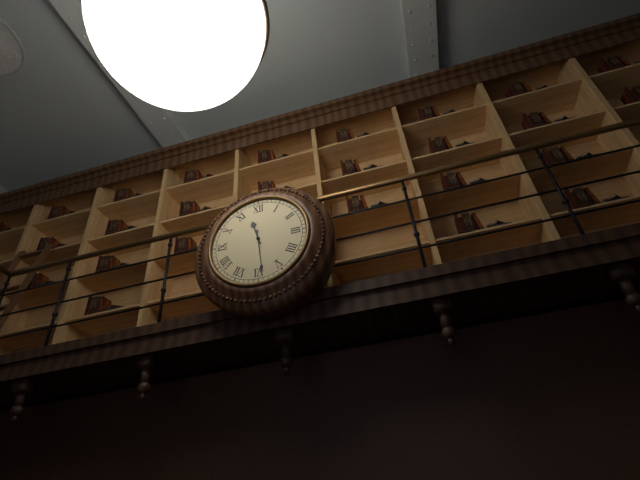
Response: 11:29
